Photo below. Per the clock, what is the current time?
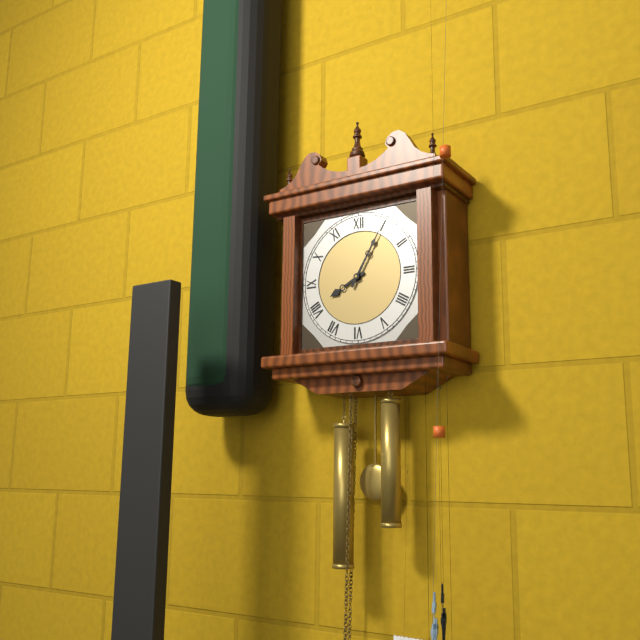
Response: 8:05
